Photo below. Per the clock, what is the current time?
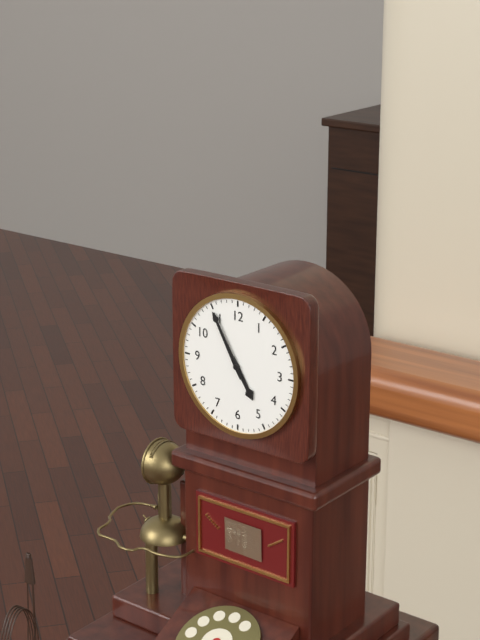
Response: 4:55
